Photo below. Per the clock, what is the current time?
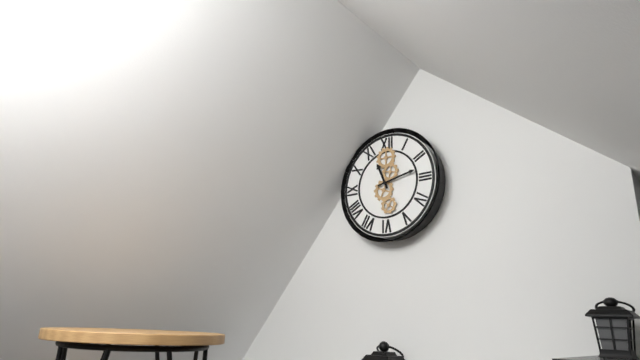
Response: 11:13
